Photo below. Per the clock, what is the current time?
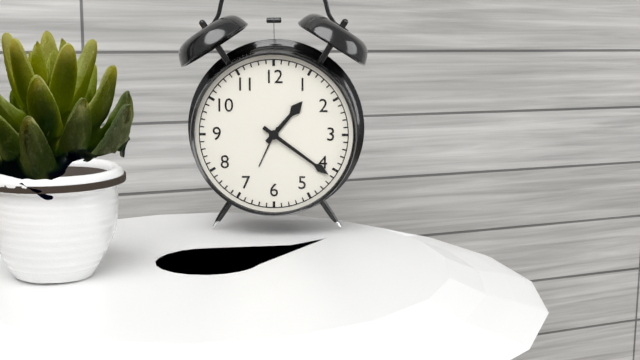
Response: 1:21
